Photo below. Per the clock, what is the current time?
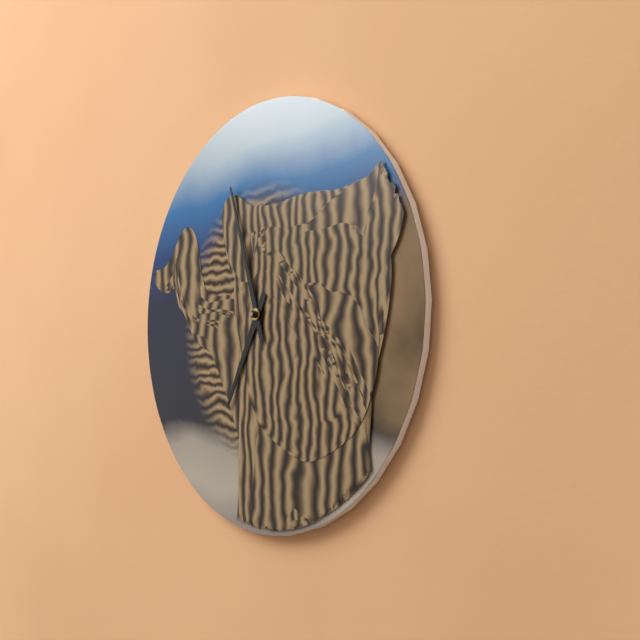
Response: 6:57
